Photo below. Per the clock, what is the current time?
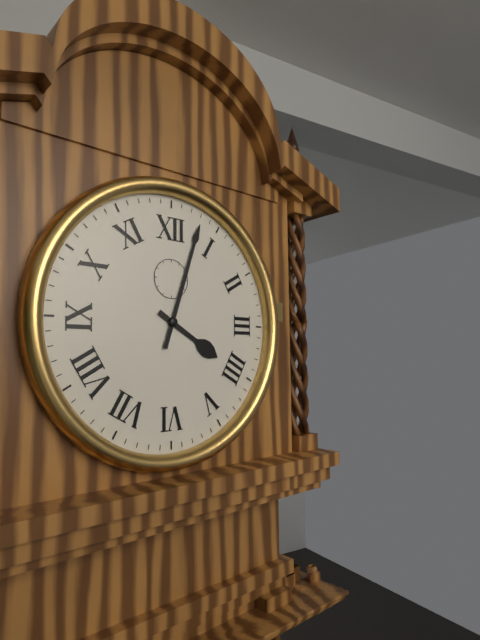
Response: 4:03
